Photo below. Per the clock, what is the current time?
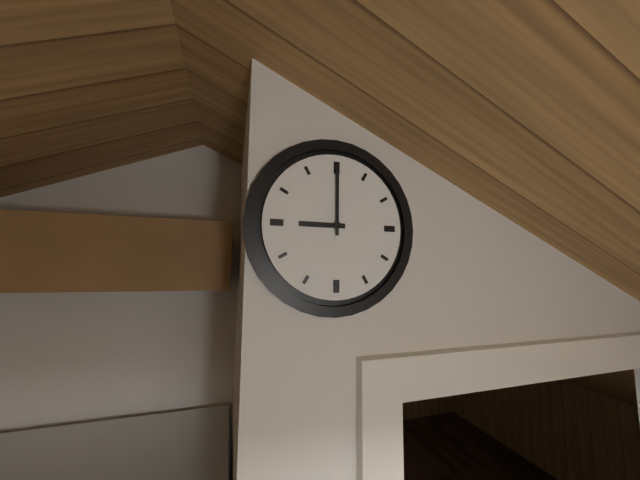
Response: 9:00
